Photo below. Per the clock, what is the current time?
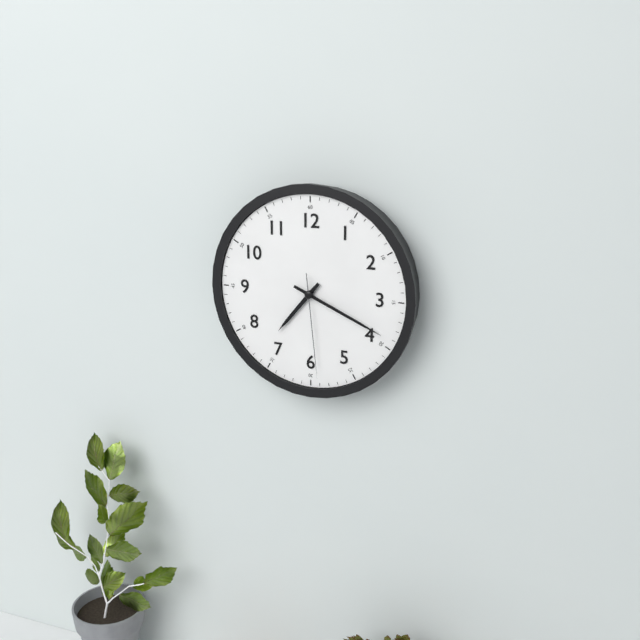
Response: 7:19:29
